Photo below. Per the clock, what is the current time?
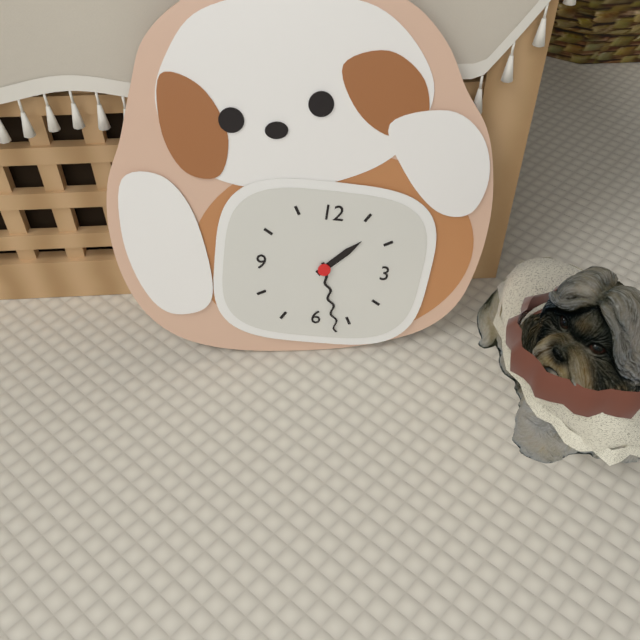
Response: 1:27
